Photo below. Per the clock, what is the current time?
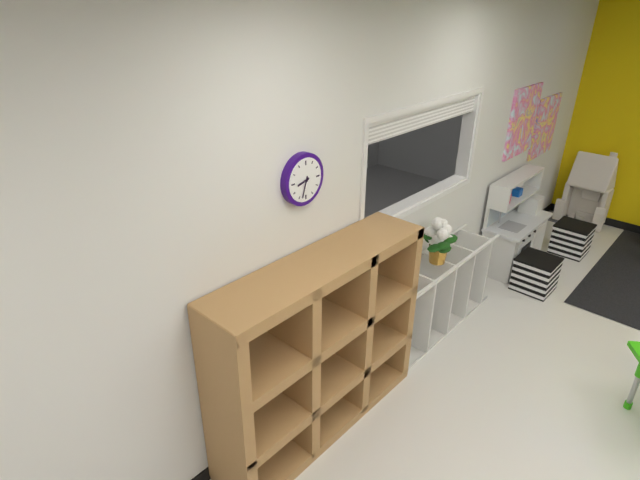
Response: 8:33
